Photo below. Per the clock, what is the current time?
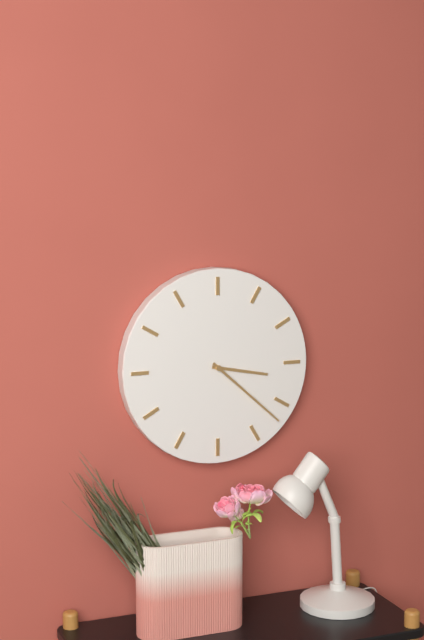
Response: 3:22
